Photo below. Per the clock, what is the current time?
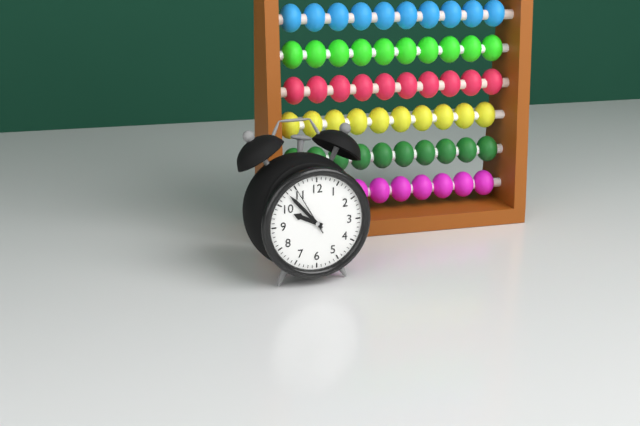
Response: 9:53:55
